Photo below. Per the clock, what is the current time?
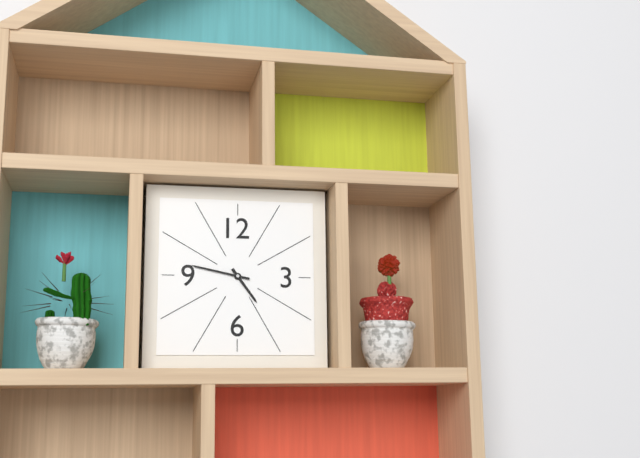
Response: 4:47
